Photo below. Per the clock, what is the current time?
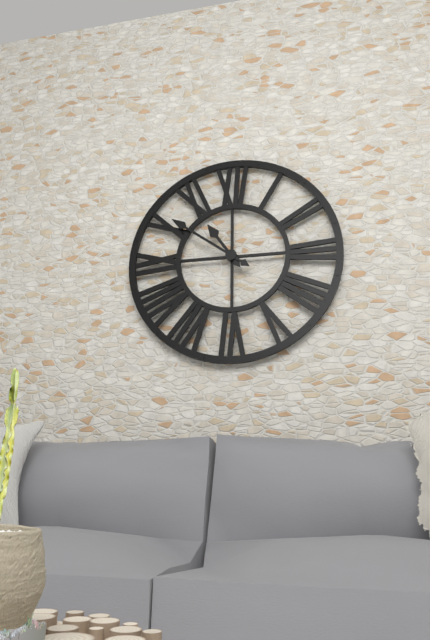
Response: 10:51
